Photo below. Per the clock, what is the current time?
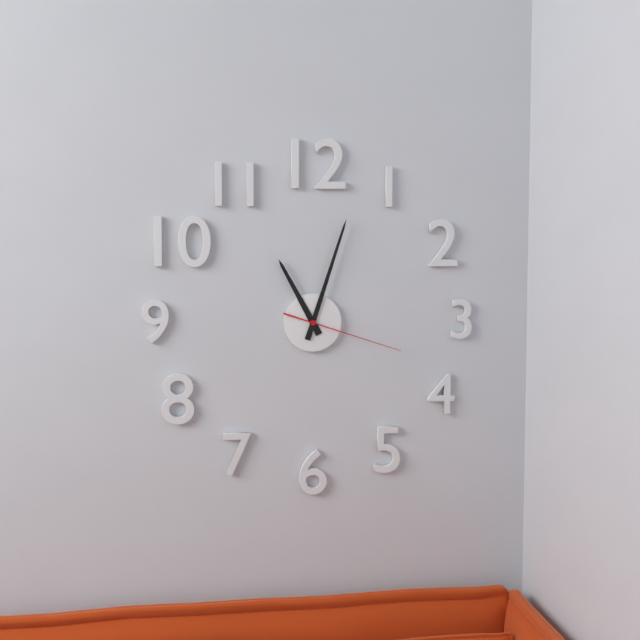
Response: 11:03:18
